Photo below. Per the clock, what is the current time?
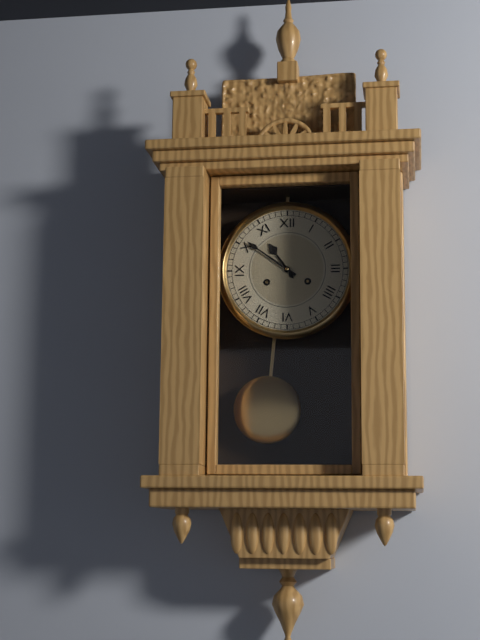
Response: 10:51
